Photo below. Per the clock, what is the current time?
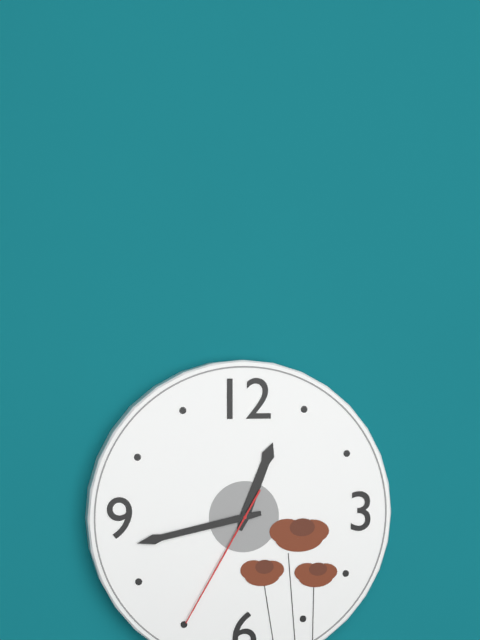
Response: 12:43:35
